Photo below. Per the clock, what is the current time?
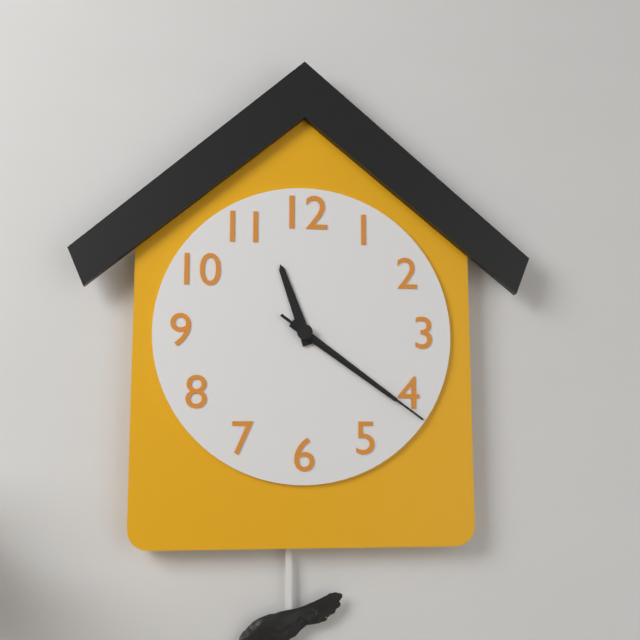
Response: 11:21:21
